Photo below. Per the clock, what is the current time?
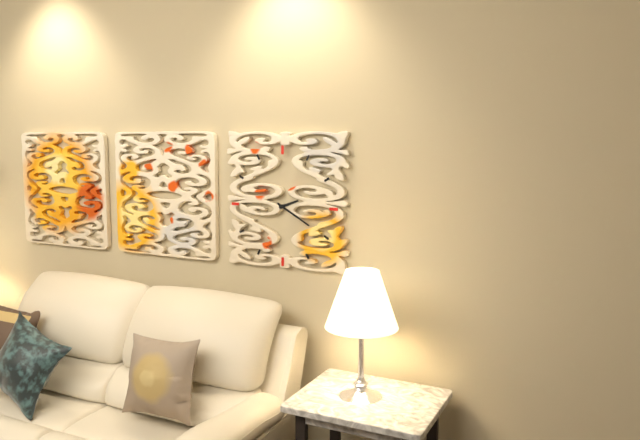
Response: 2:20
